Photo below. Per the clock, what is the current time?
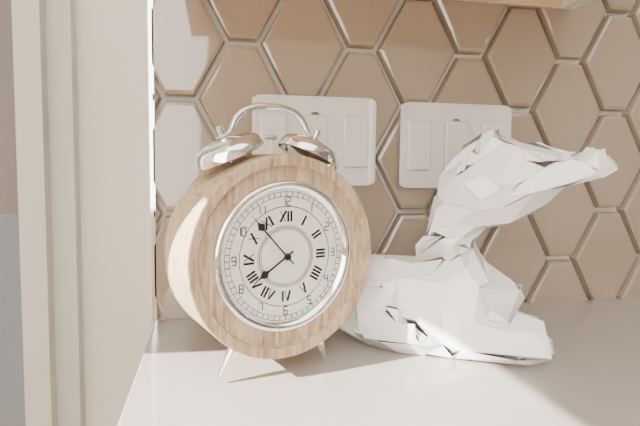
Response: 7:53
